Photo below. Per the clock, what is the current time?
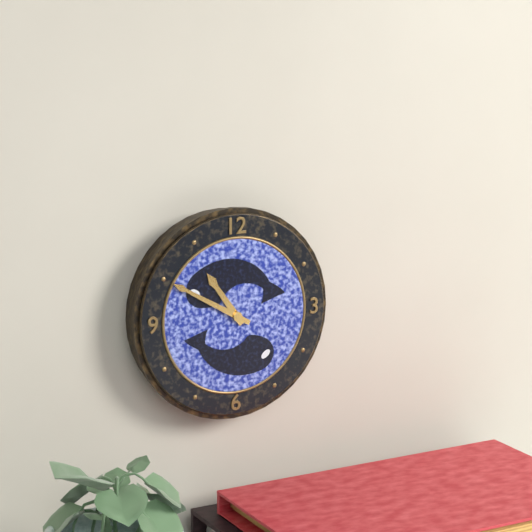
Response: 10:50
